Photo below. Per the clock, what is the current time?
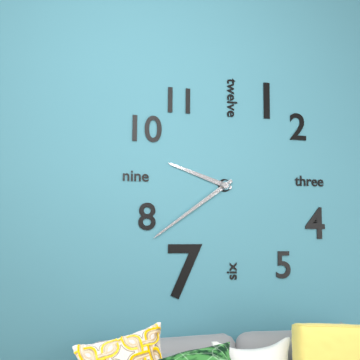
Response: 9:39
